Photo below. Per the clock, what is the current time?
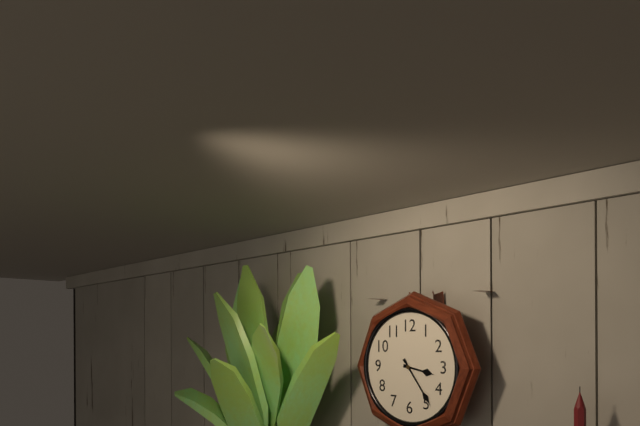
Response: 3:24
